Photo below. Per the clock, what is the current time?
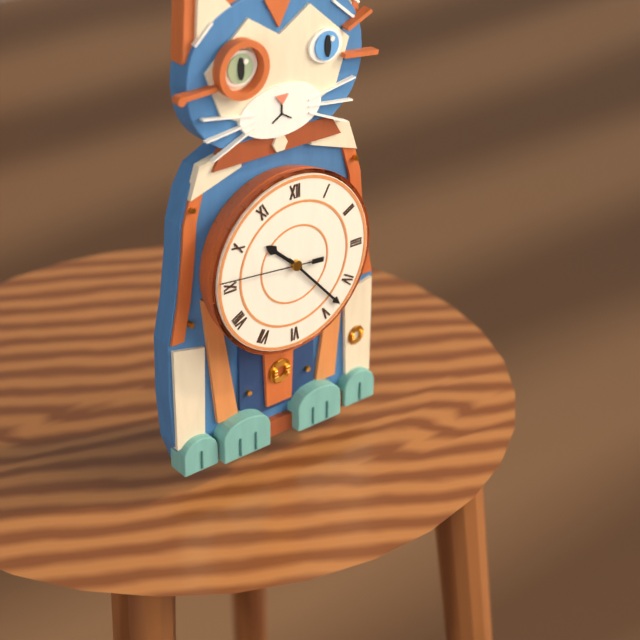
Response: 10:23:46
